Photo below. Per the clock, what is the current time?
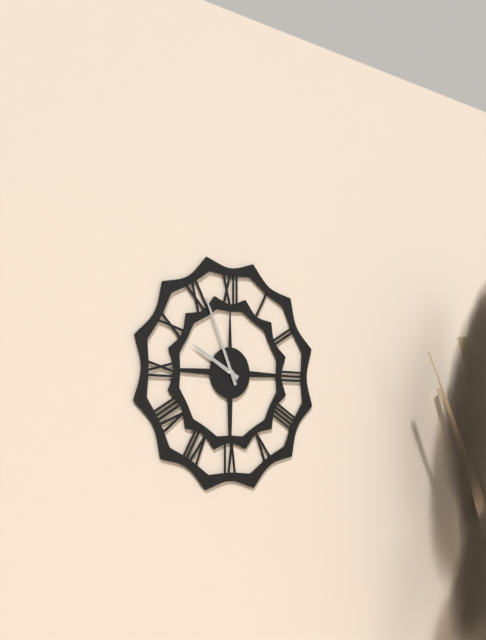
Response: 9:56
